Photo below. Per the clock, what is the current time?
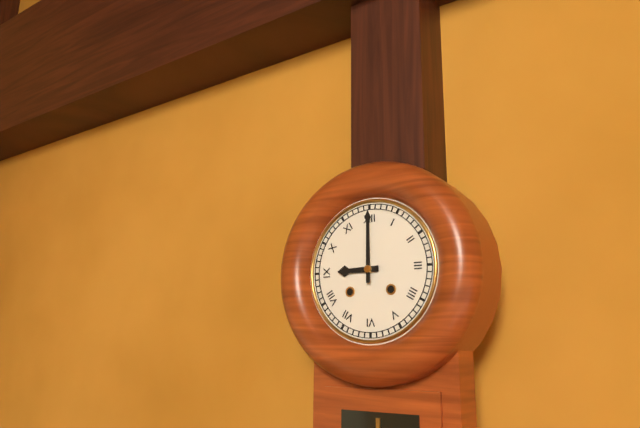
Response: 9:00
